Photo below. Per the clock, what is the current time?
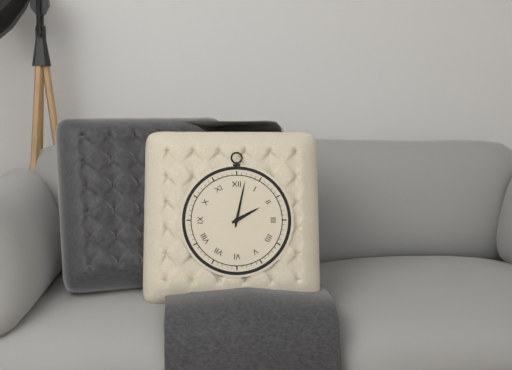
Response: 2:02
